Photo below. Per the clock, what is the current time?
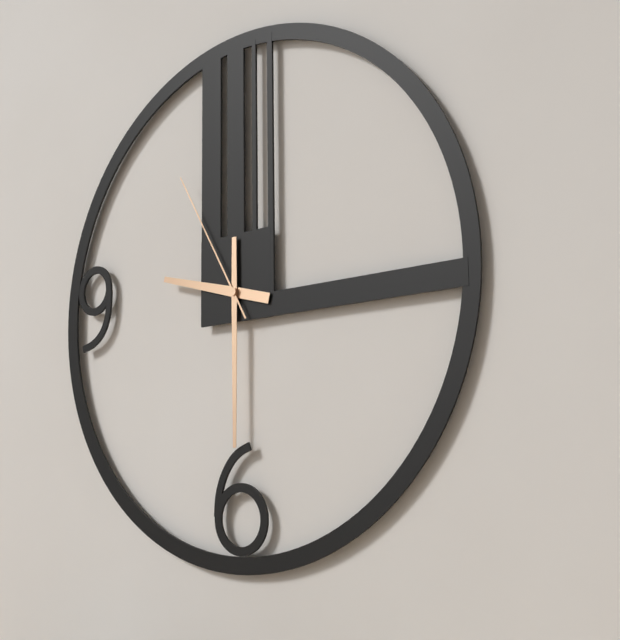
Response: 9:30:55
